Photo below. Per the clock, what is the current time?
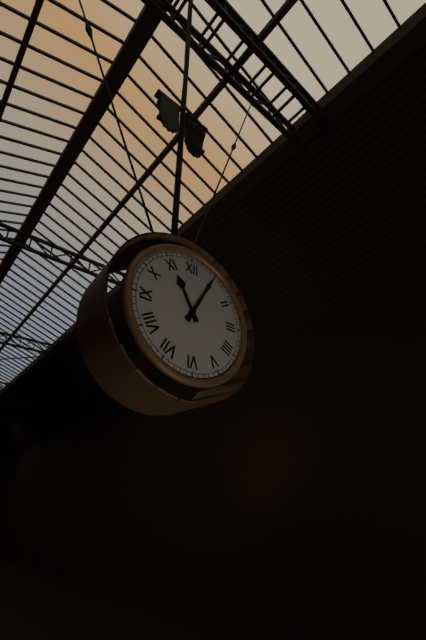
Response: 11:05
